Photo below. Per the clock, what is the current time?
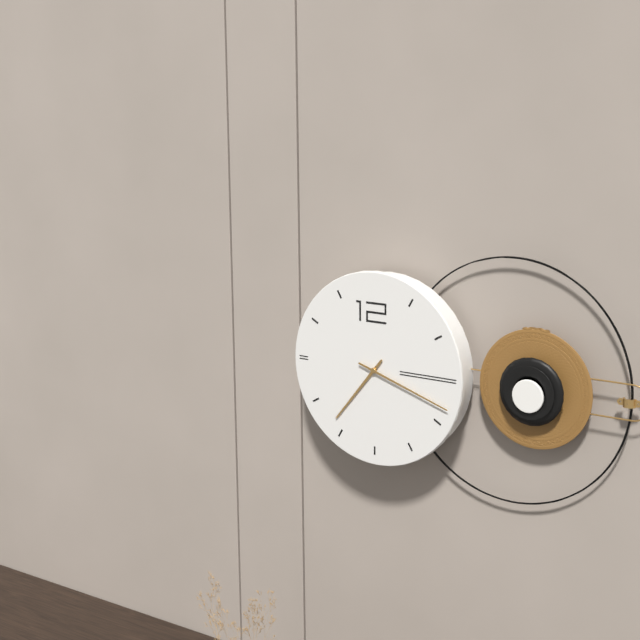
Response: 7:18
